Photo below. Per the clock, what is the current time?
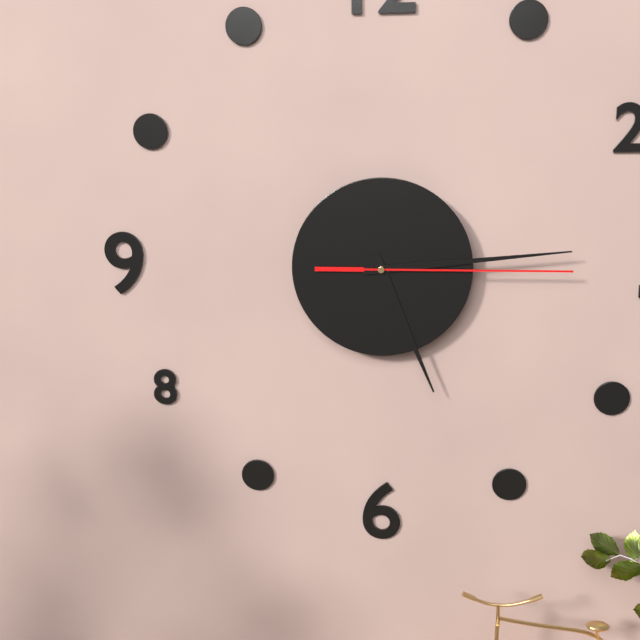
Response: 5:14:15
